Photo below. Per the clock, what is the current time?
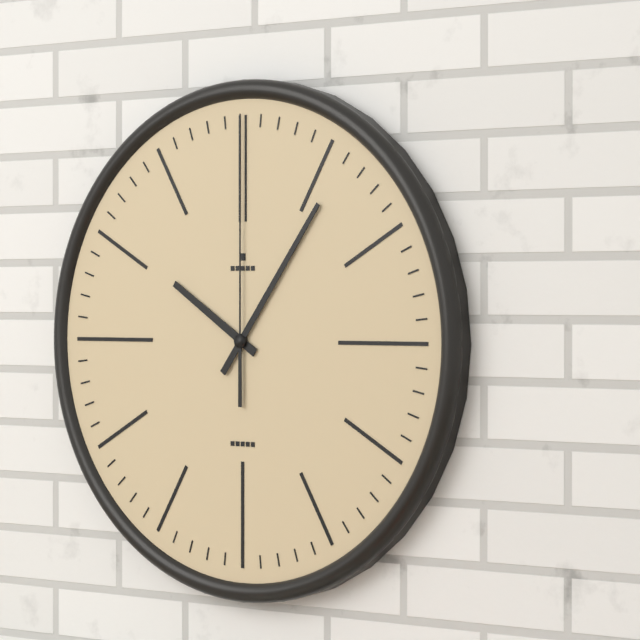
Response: 10:06:00
